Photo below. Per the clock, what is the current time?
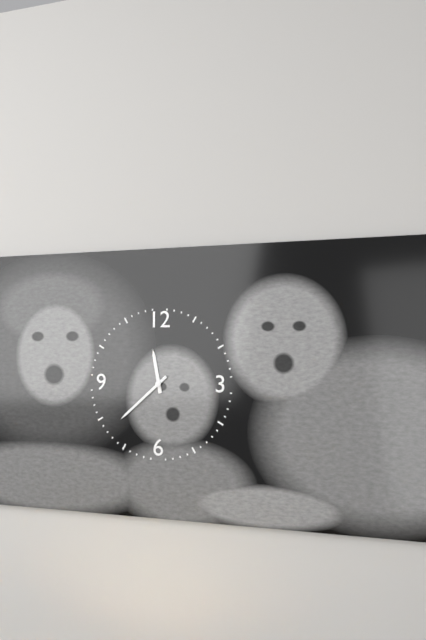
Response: 11:38
